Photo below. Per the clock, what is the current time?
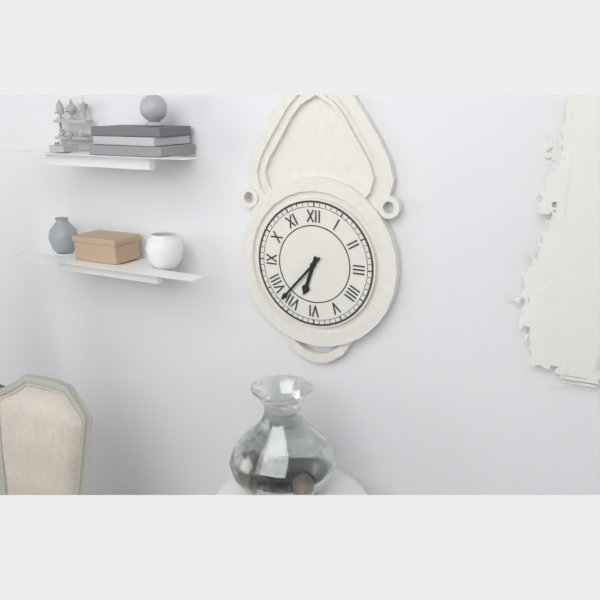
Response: 6:37
